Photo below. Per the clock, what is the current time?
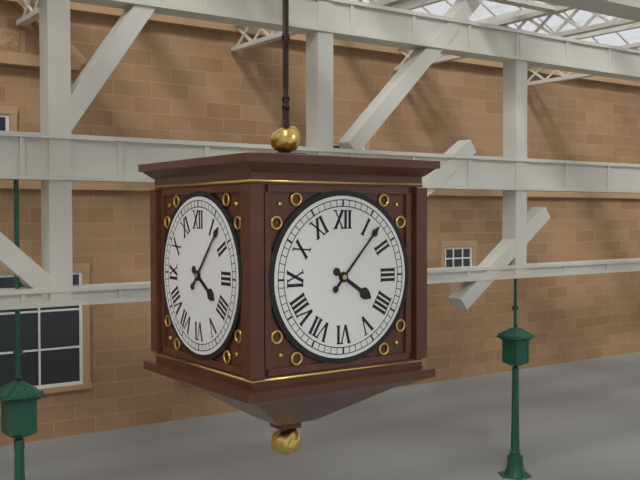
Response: 4:07
